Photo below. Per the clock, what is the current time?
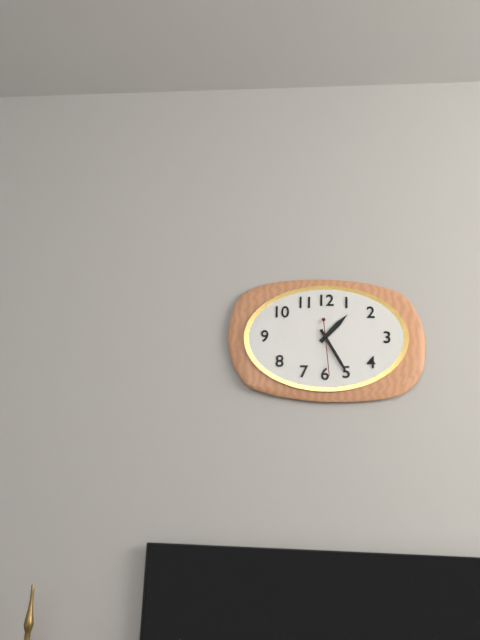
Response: 1:25
